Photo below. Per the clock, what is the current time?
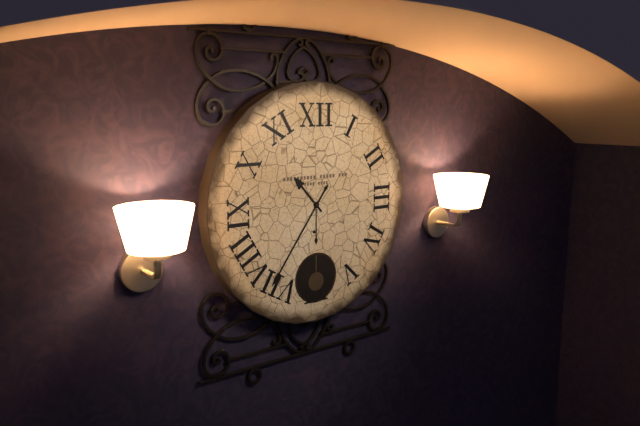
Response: 10:36
